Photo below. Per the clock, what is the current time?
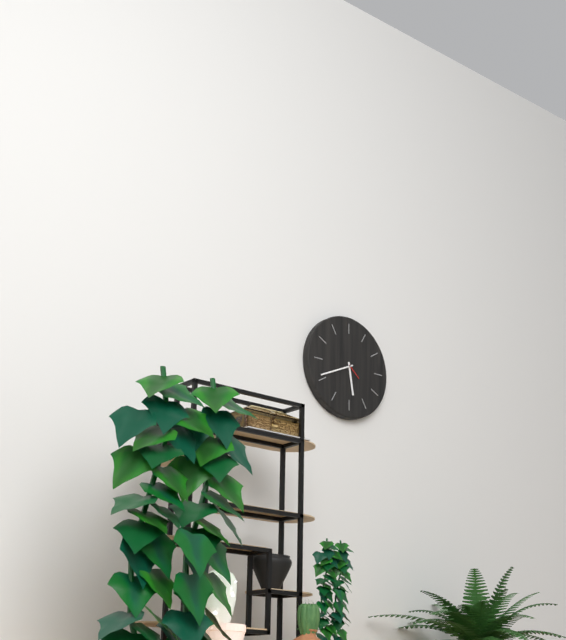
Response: 5:41
